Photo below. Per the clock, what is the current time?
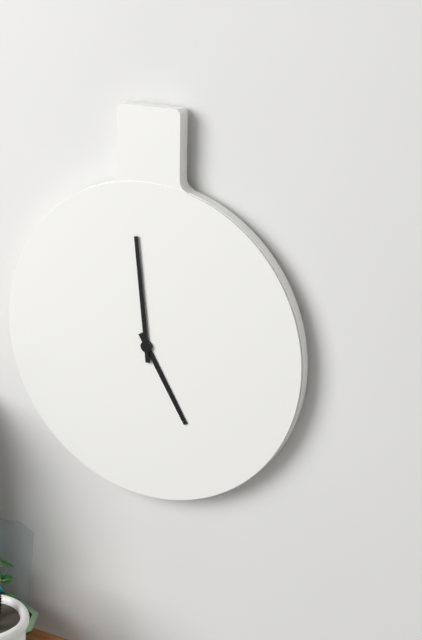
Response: 4:59
